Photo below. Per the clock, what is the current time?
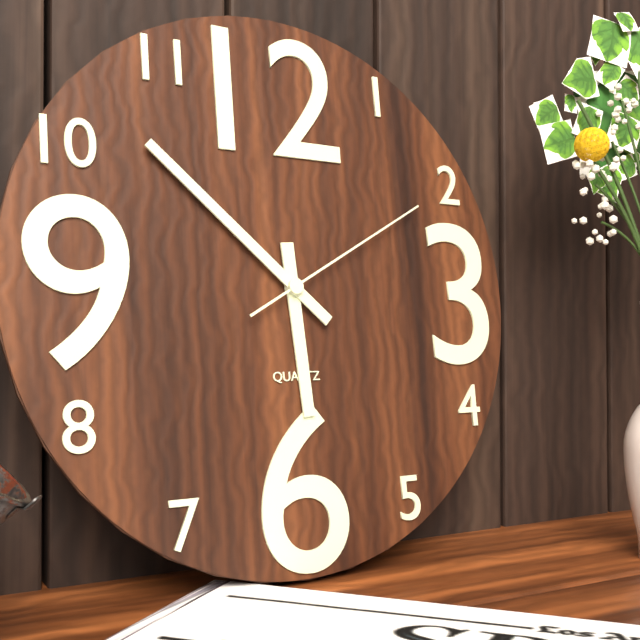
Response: 5:52:10
